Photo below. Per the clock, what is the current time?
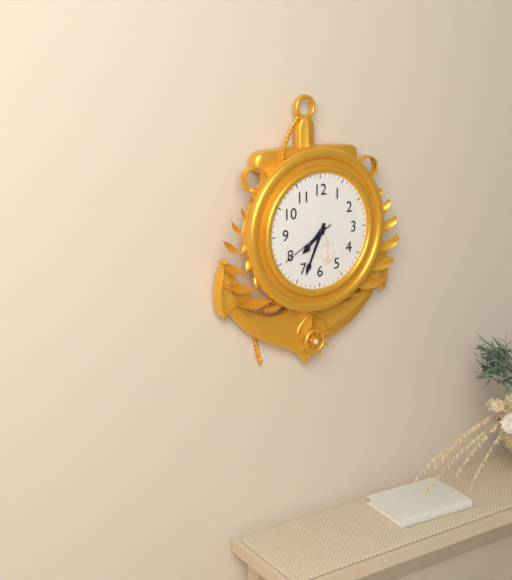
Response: 7:34:40
